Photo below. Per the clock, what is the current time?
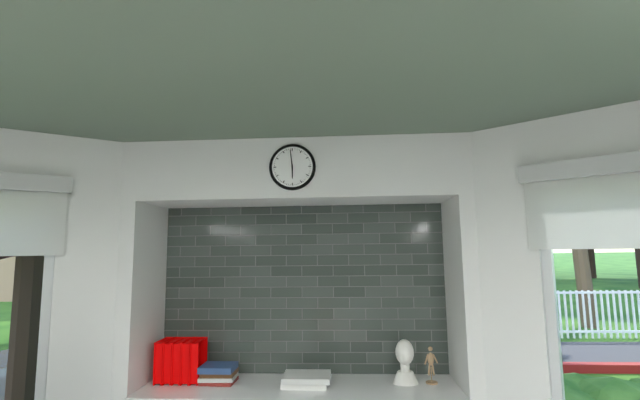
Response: 5:59
